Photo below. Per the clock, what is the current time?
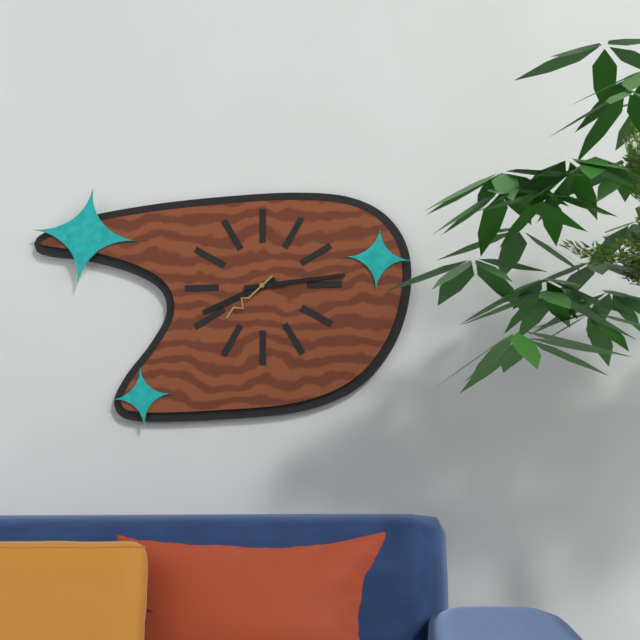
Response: 8:14:38
